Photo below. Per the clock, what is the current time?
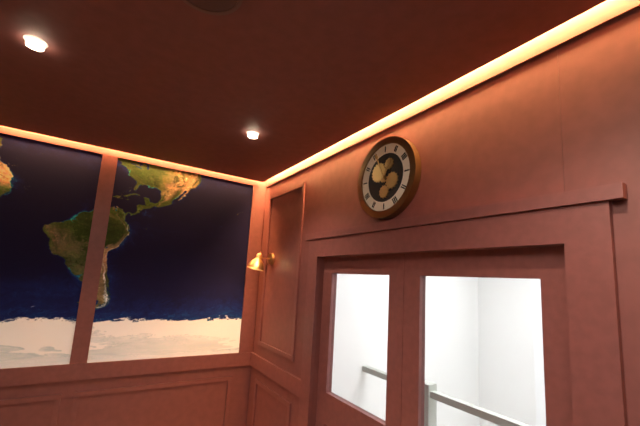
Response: 12:56
